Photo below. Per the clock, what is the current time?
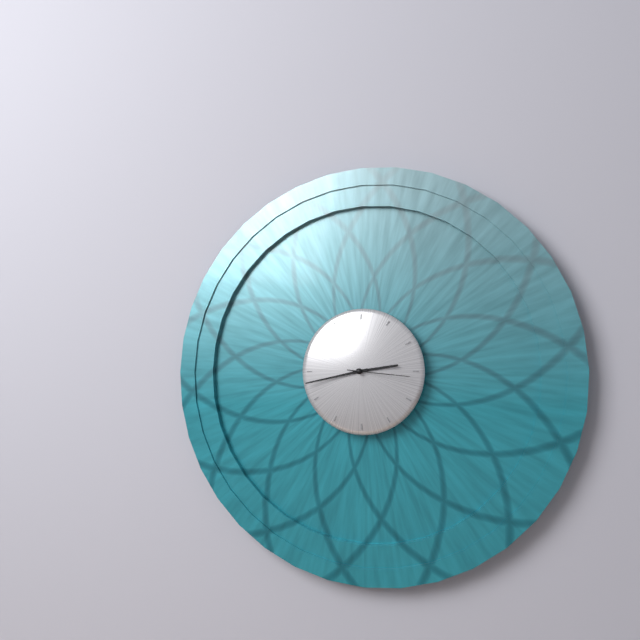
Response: 2:43:16
